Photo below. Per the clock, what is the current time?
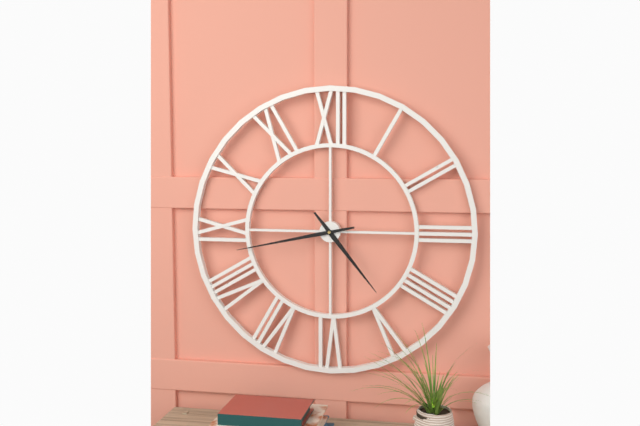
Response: 4:43
